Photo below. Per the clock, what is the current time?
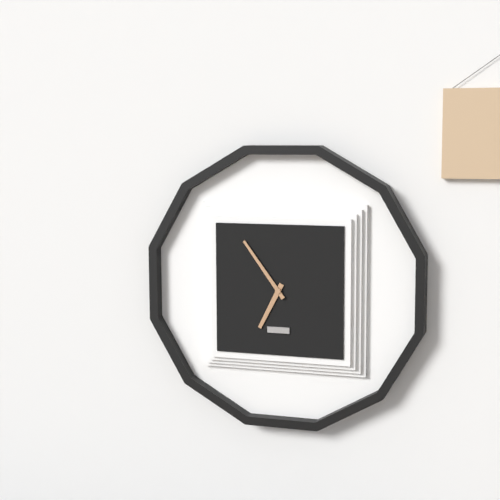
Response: 6:54
